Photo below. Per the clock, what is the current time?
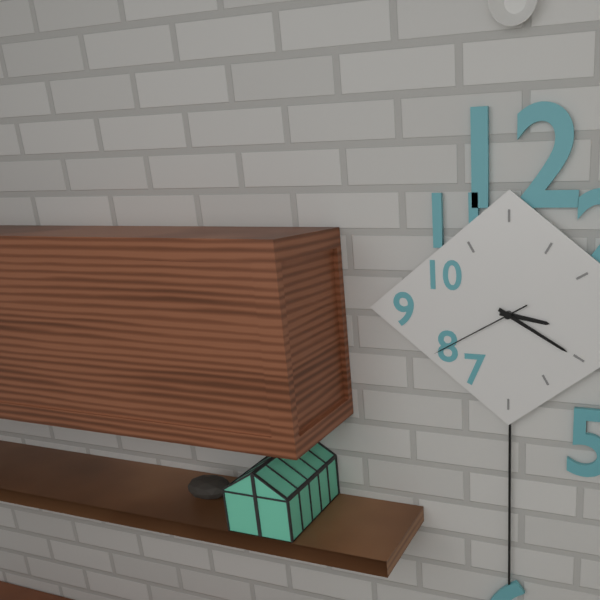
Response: 3:20:40
